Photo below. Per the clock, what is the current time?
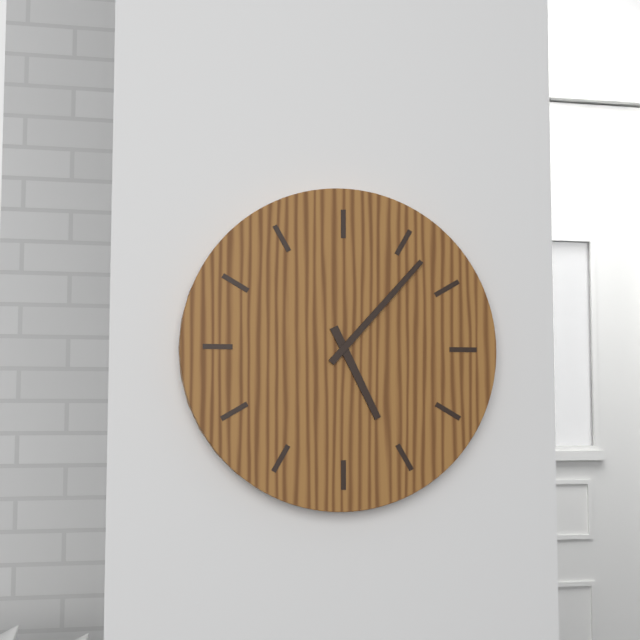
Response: 5:07
